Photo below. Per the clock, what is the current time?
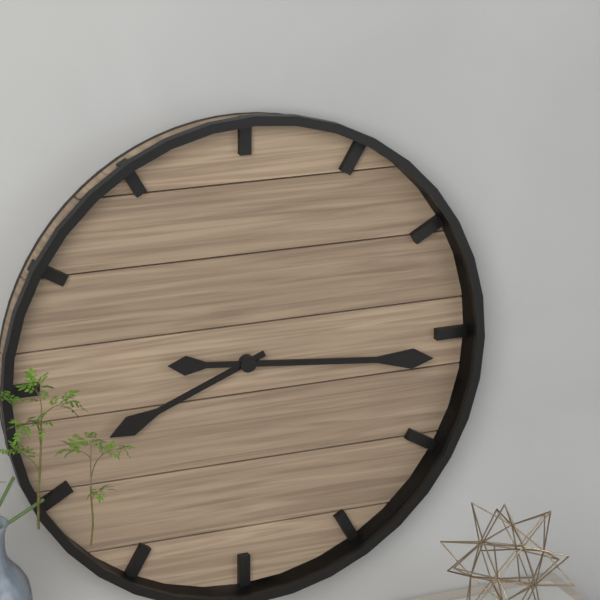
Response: 8:16
